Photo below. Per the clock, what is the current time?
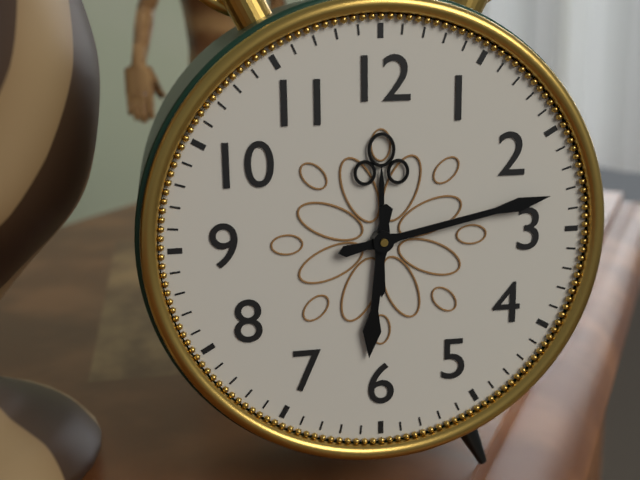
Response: 6:13
